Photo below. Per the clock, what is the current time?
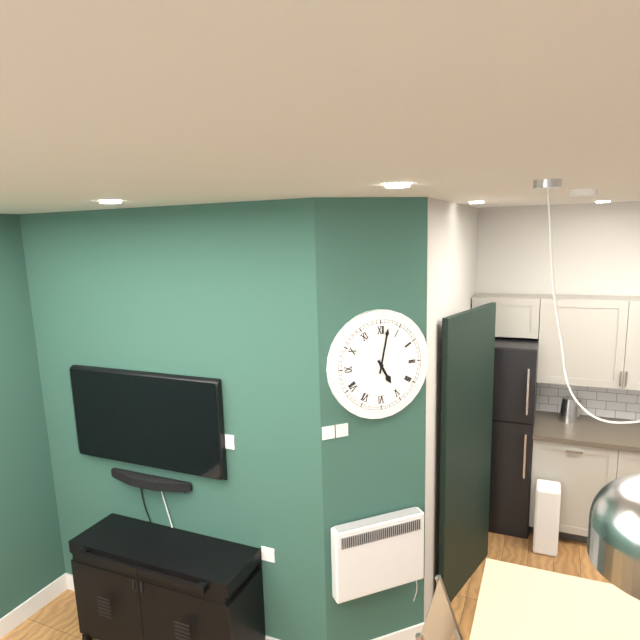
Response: 5:02
